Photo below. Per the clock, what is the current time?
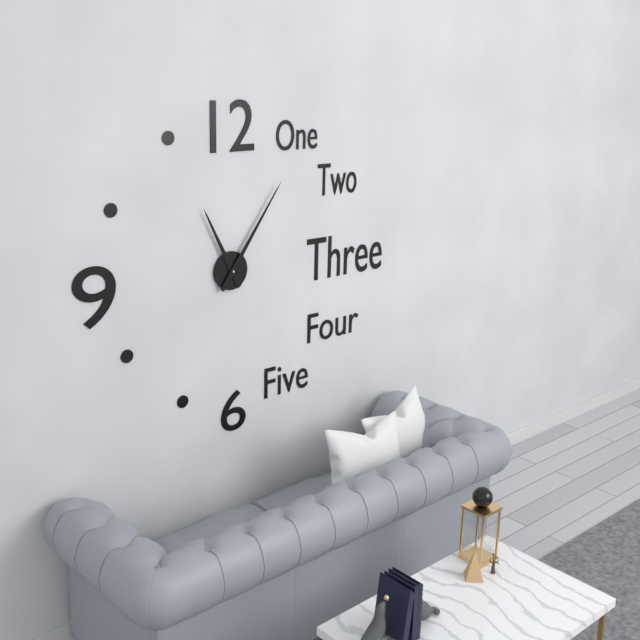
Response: 11:06
